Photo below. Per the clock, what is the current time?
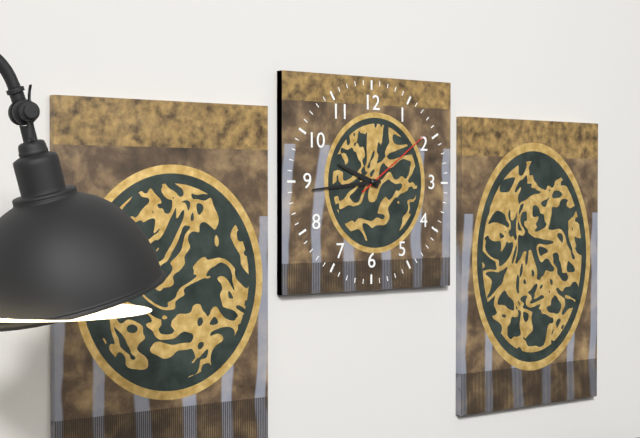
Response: 9:44:09
